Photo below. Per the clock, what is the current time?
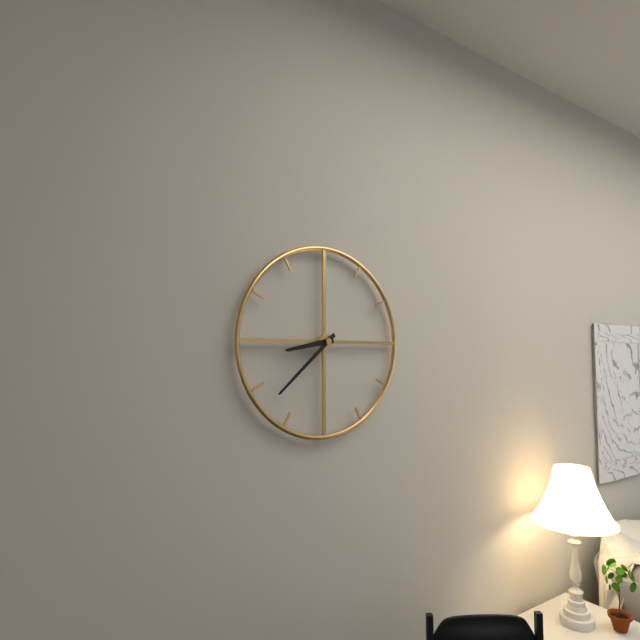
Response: 8:38
